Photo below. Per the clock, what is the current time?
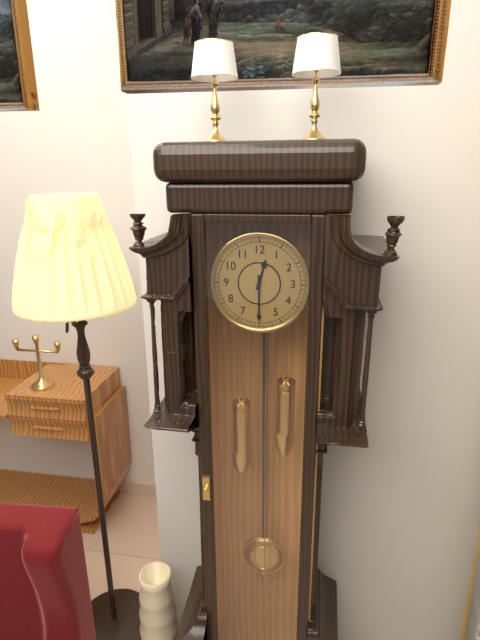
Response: 12:30
